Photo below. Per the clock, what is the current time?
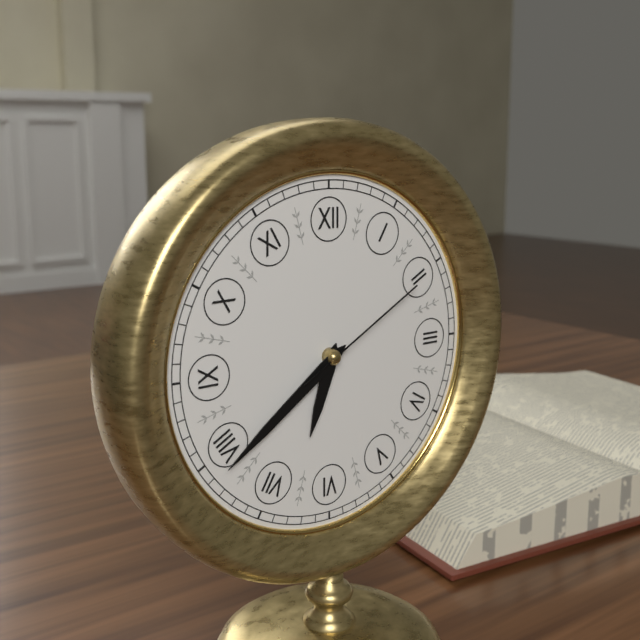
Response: 6:39:10
